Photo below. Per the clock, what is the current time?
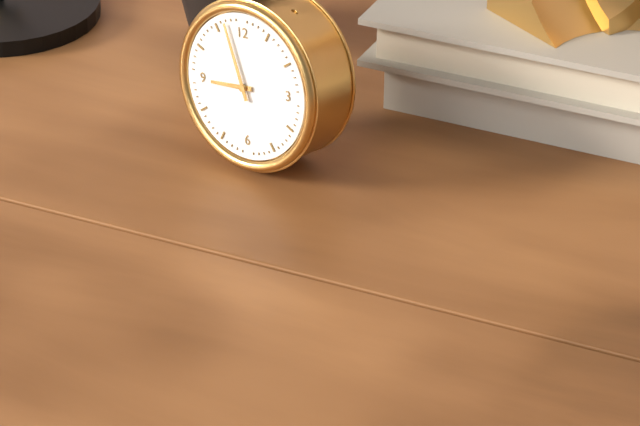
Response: 8:57
